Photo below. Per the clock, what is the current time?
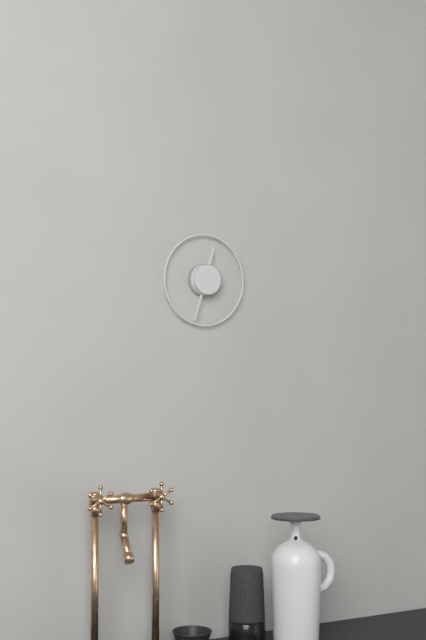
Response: 12:33
